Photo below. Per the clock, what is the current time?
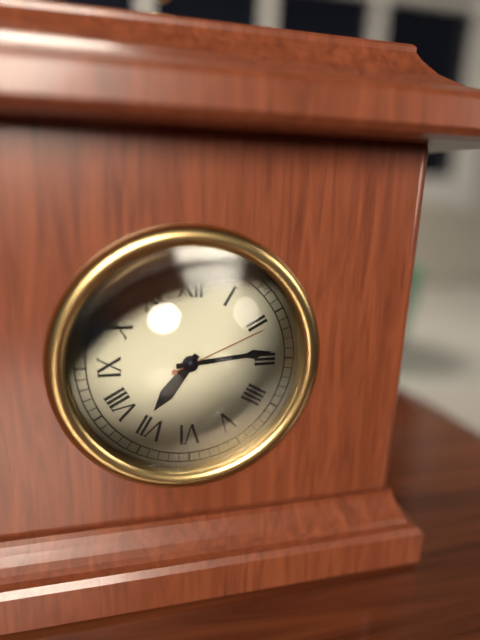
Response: 7:14:11
